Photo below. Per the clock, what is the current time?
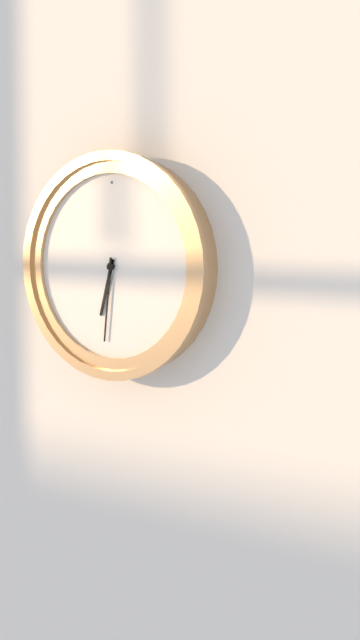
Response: 6:31
